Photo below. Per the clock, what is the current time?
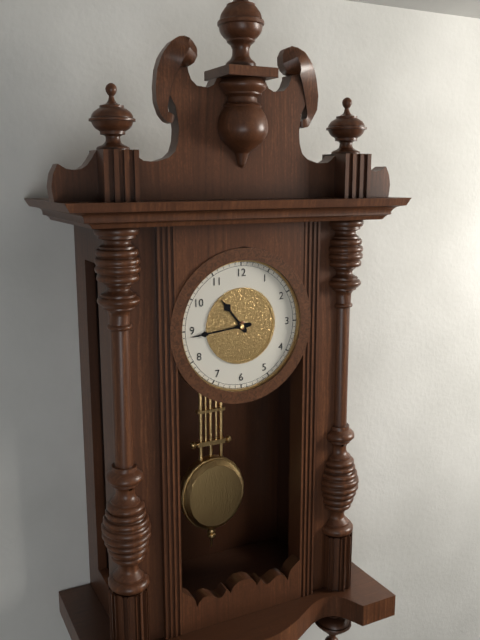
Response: 10:44
